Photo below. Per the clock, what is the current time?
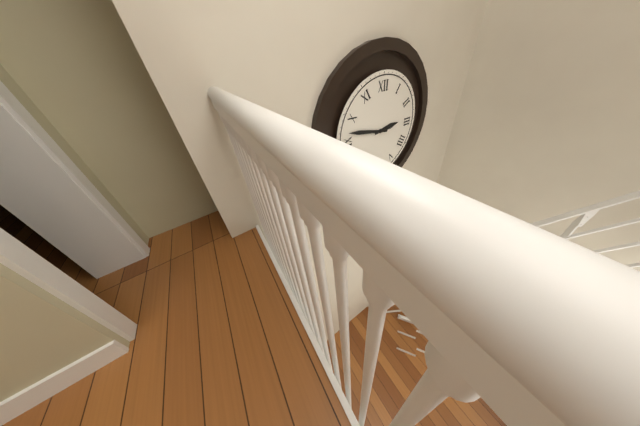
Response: 2:47
